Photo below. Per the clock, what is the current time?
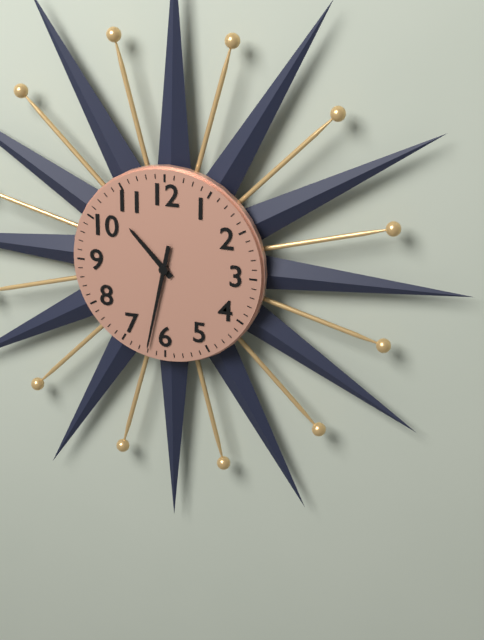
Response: 10:32
